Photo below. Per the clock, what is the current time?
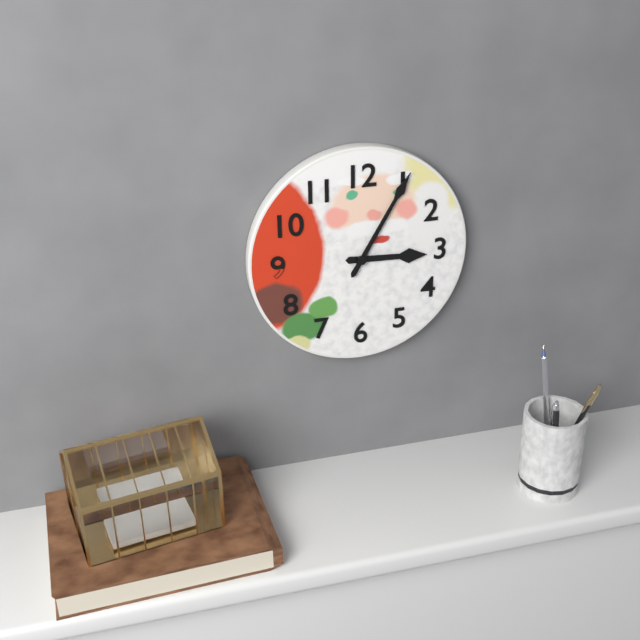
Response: 3:05
